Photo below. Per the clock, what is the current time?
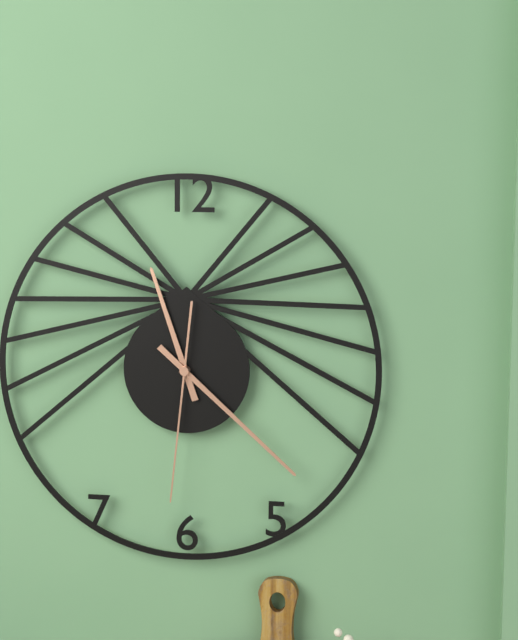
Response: 11:22:31
